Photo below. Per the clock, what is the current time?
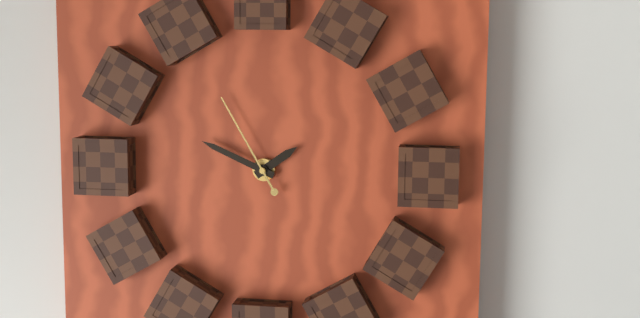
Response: 1:49:55
